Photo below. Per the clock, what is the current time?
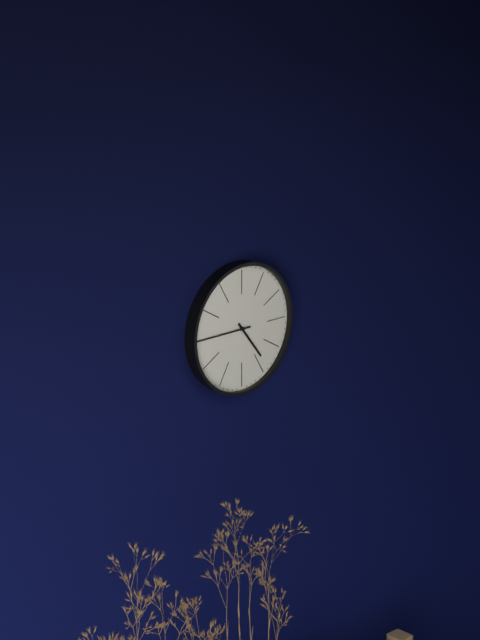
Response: 4:45
